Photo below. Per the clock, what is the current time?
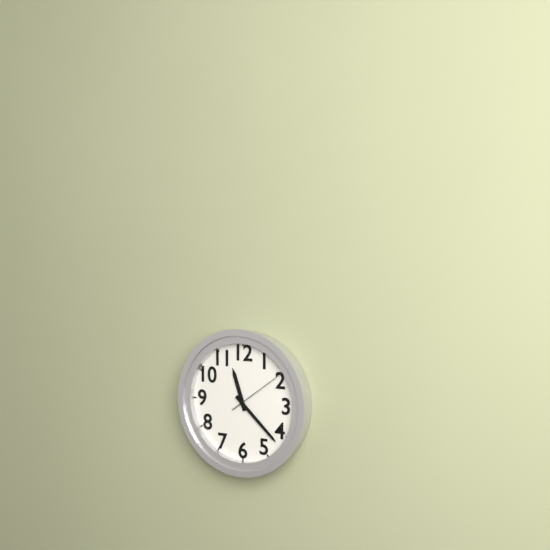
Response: 11:22:09
